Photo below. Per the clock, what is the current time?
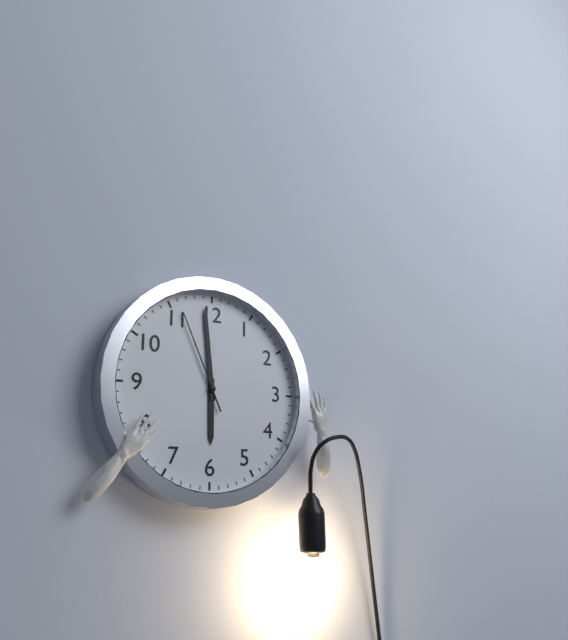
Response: 5:59:56
